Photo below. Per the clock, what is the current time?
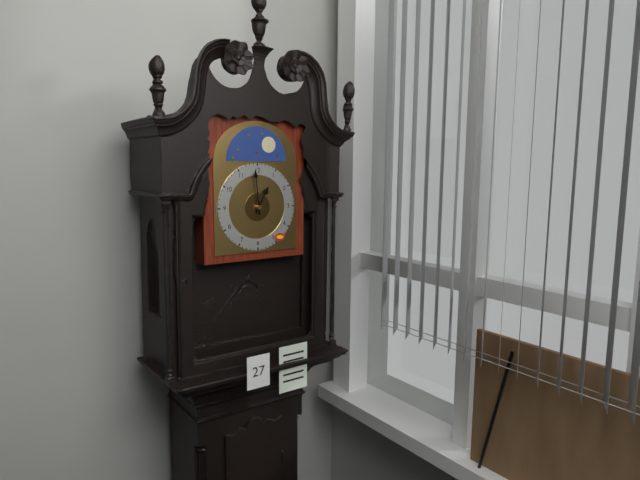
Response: 12:59
